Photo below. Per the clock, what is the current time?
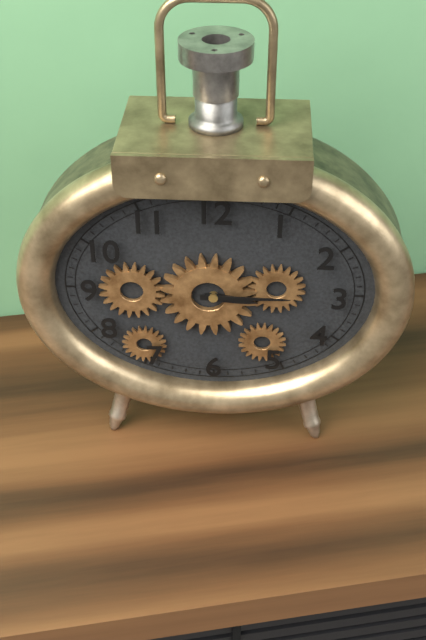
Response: 3:15
